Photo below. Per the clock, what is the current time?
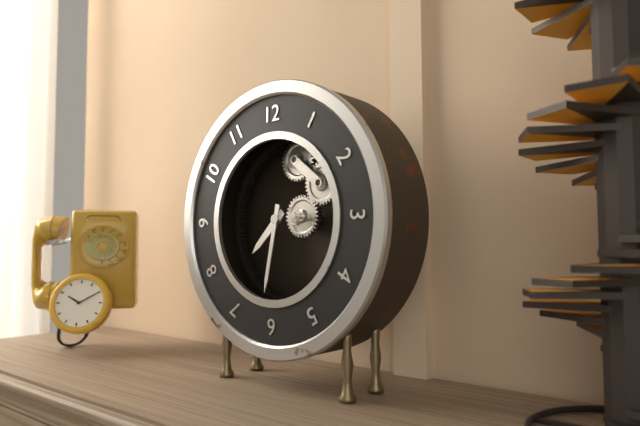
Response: 7:32
